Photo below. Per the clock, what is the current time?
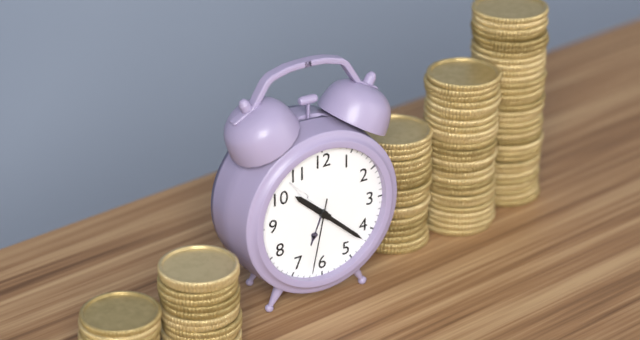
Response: 10:22:32
